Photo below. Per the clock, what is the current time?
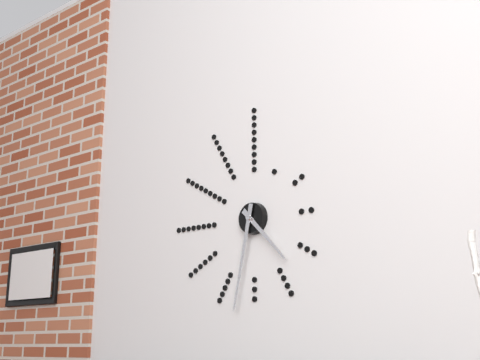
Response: 4:32
